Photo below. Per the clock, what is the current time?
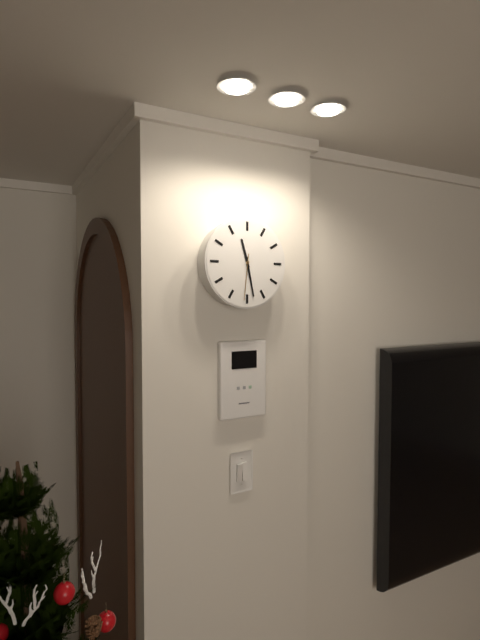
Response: 11:28
